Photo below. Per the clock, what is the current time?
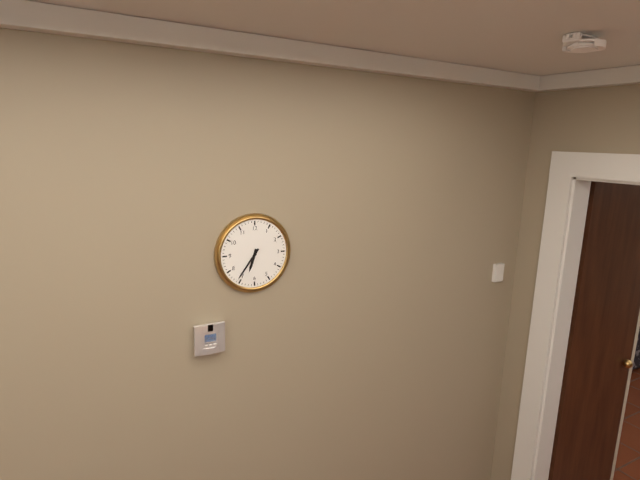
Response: 6:36
